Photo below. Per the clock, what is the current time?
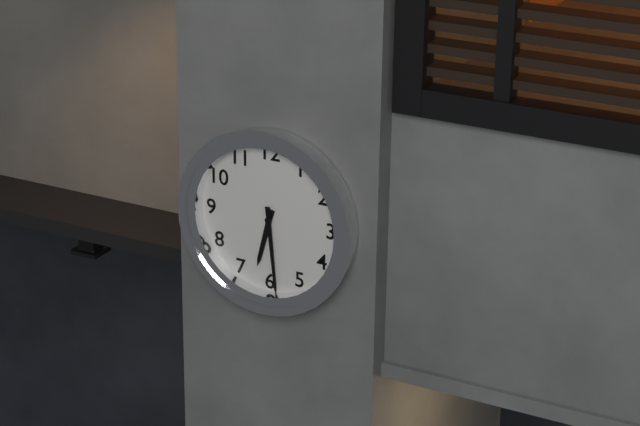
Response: 6:29
